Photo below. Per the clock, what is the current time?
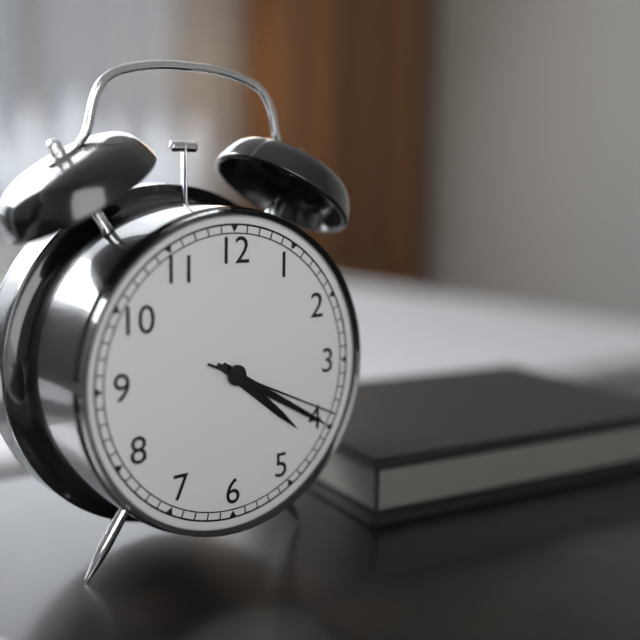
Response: 4:20:19
